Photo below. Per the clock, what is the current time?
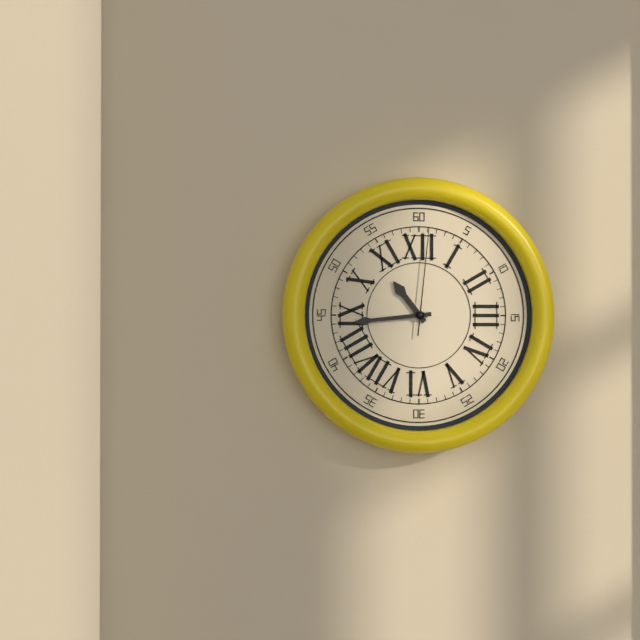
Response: 10:44:01
